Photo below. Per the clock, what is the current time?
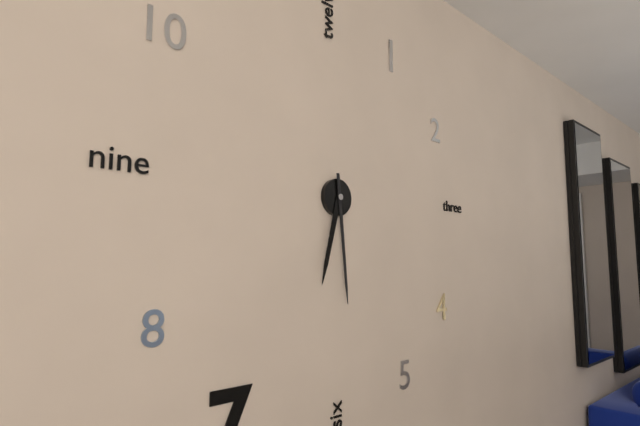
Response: 6:29
